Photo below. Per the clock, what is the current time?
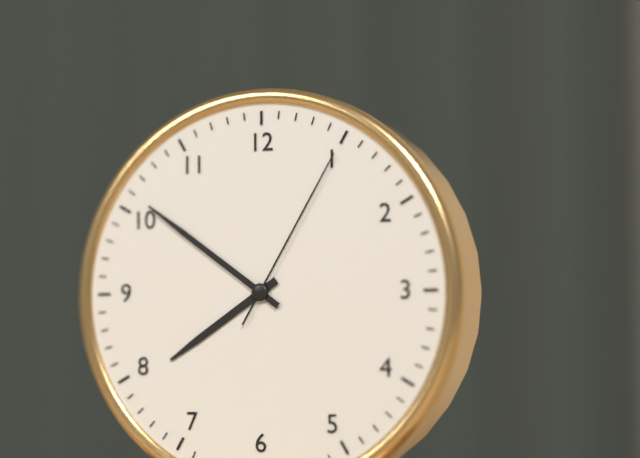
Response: 7:51:05
